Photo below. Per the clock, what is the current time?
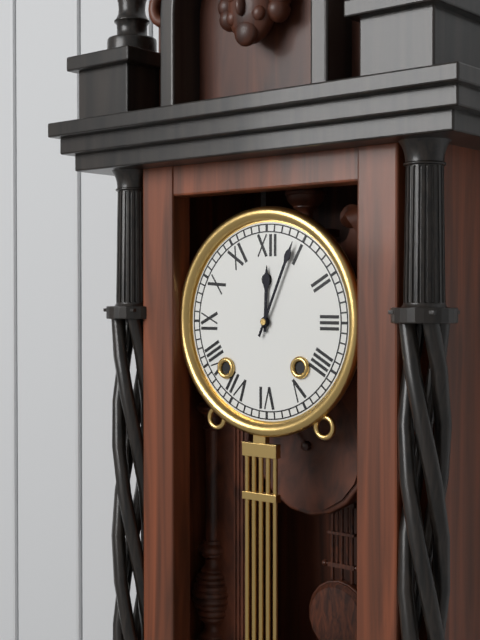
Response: 12:04
